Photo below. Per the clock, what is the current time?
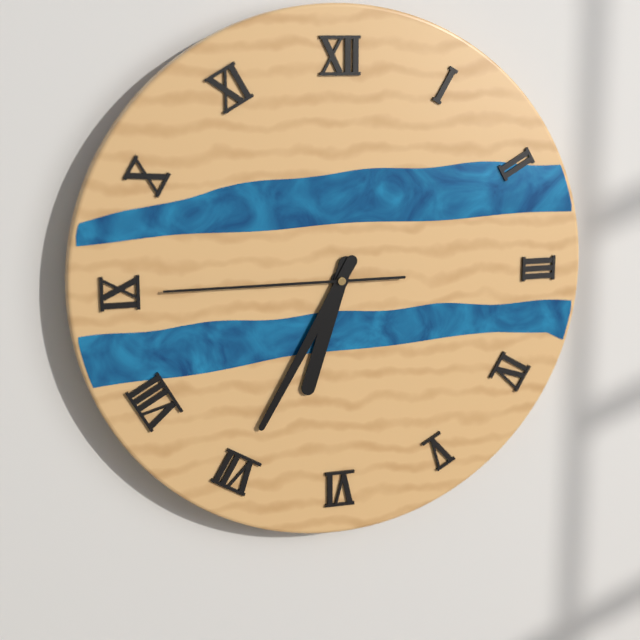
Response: 6:35:45
